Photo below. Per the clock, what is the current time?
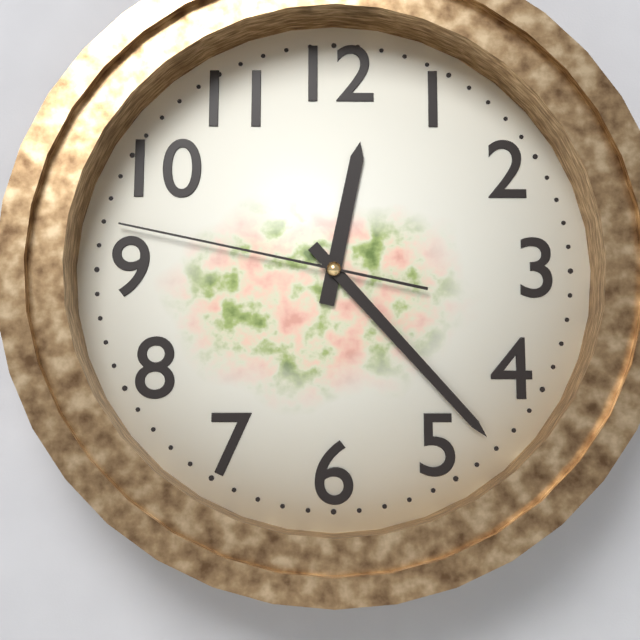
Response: 12:23:47
